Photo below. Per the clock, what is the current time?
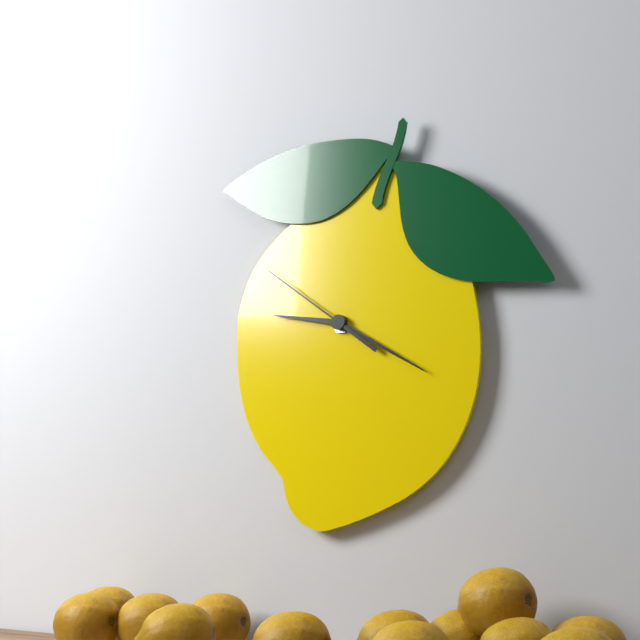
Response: 9:20:51
